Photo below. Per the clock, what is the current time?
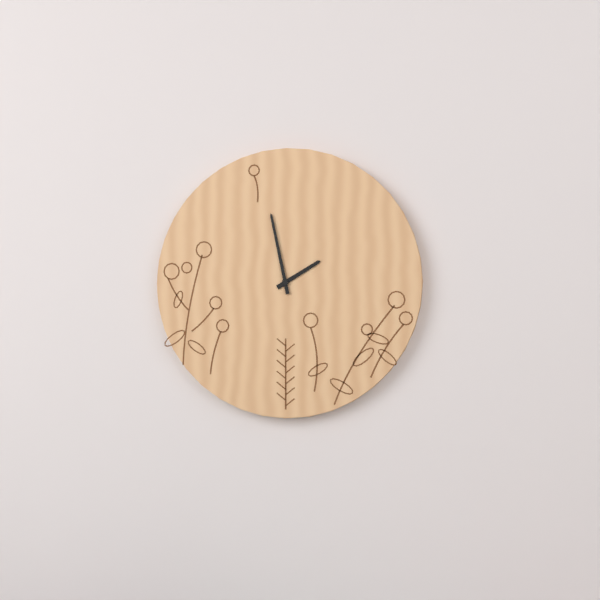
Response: 1:58
